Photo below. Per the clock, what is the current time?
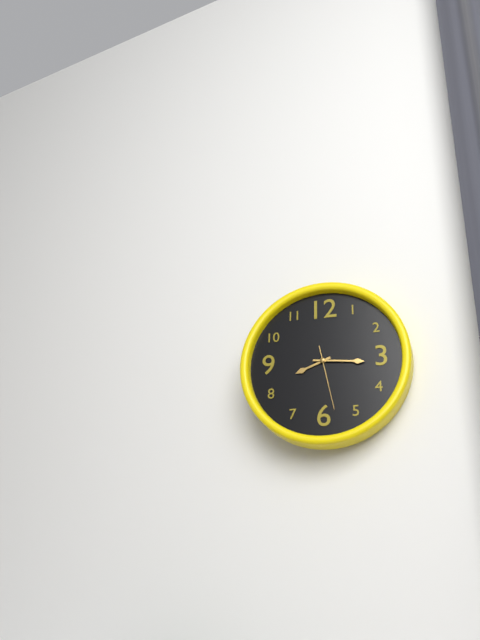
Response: 8:16:28
